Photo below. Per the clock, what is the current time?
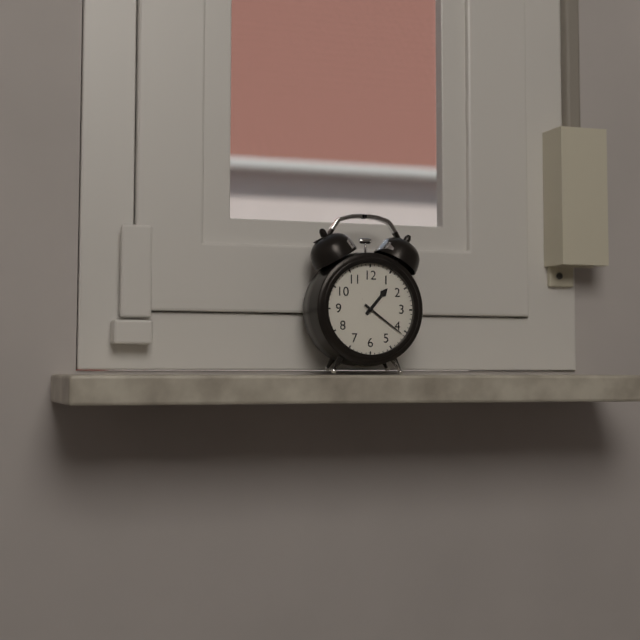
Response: 1:21
